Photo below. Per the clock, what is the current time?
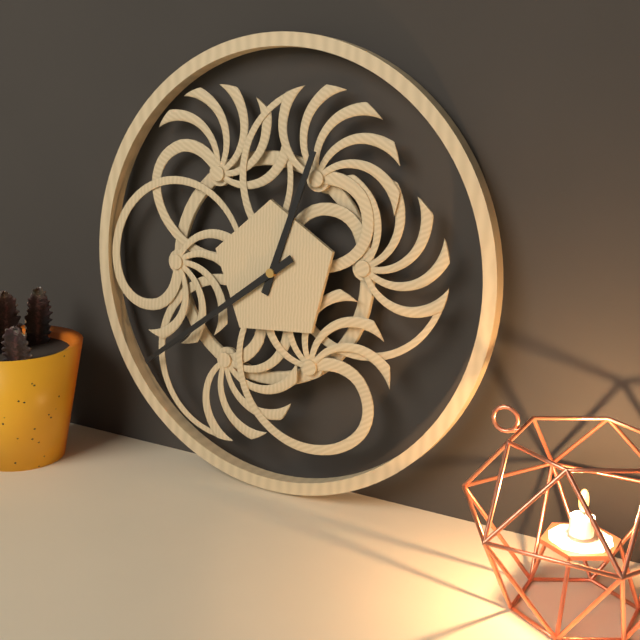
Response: 12:39
